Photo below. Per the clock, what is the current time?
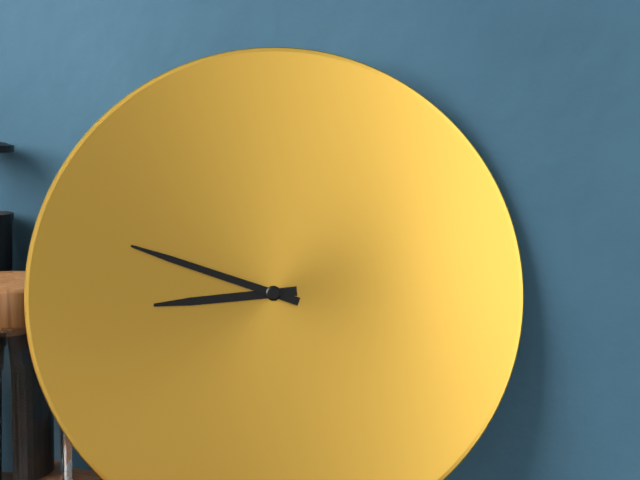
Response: 8:48
